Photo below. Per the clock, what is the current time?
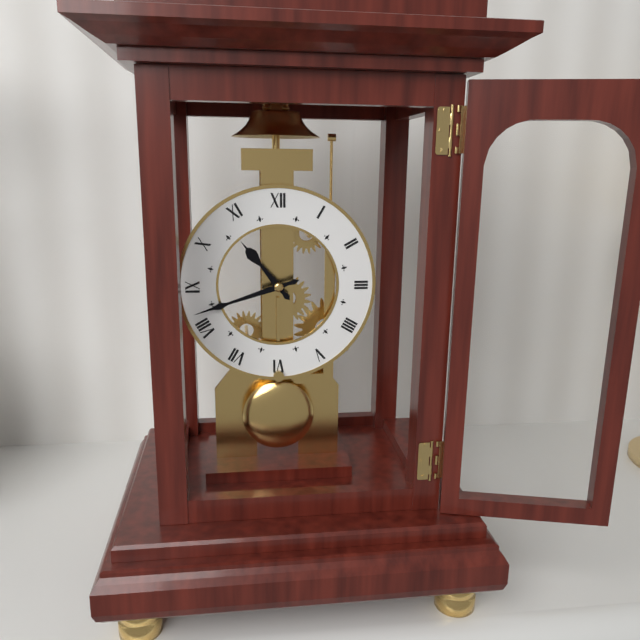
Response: 10:42
